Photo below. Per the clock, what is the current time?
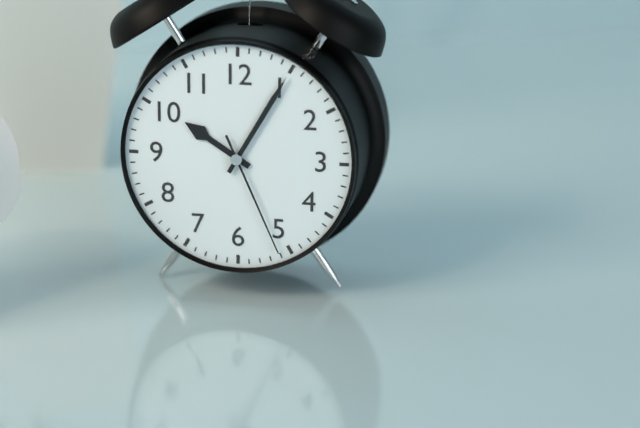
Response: 10:05:26
